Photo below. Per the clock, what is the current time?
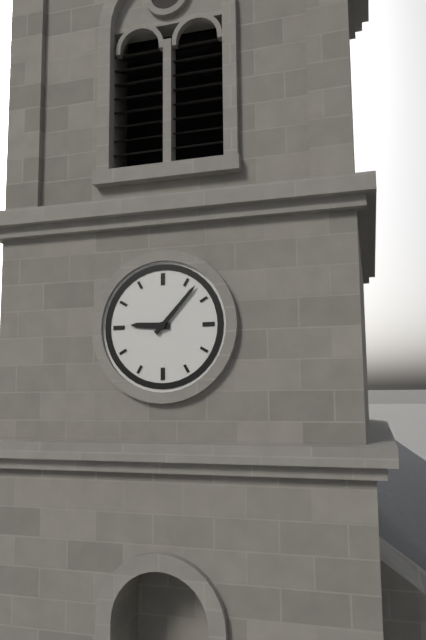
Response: 9:07
